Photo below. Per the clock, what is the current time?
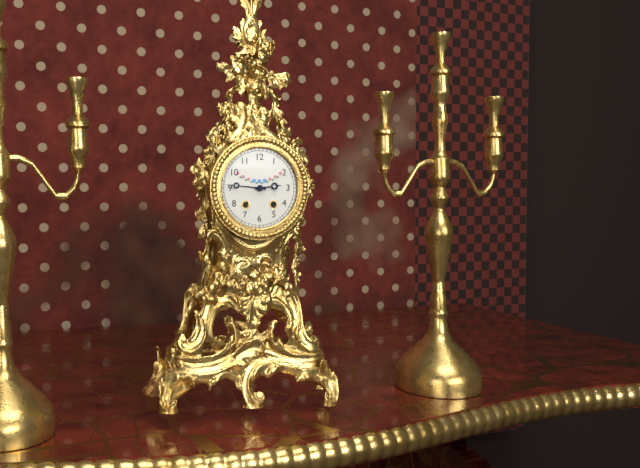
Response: 2:46
